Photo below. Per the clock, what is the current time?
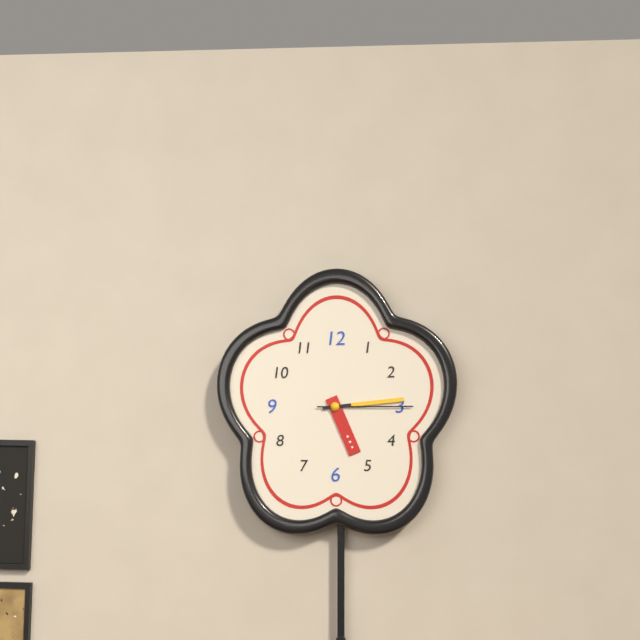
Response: 5:14:15
